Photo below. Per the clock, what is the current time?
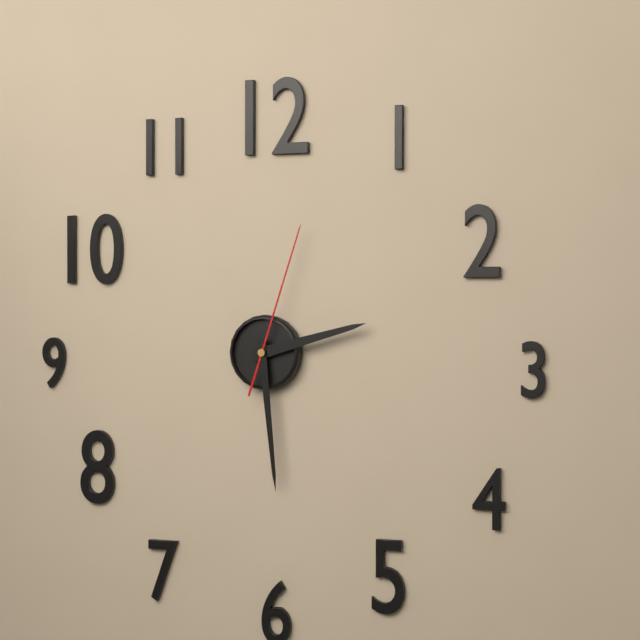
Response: 2:29:03
